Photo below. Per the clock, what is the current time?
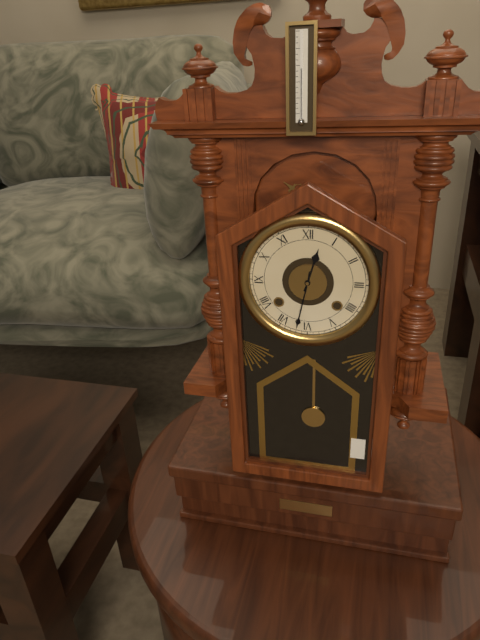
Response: 12:32
